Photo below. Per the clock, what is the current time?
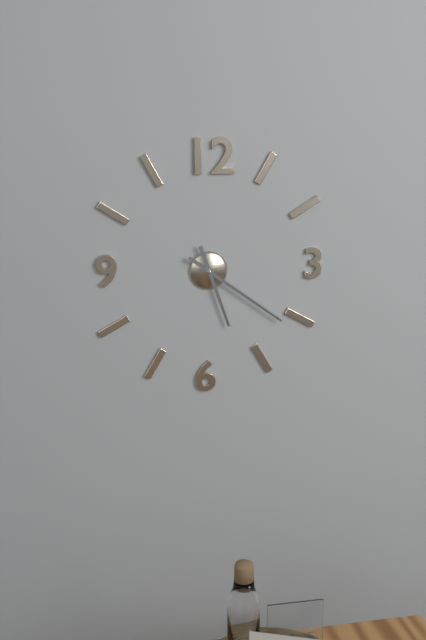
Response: 5:21
